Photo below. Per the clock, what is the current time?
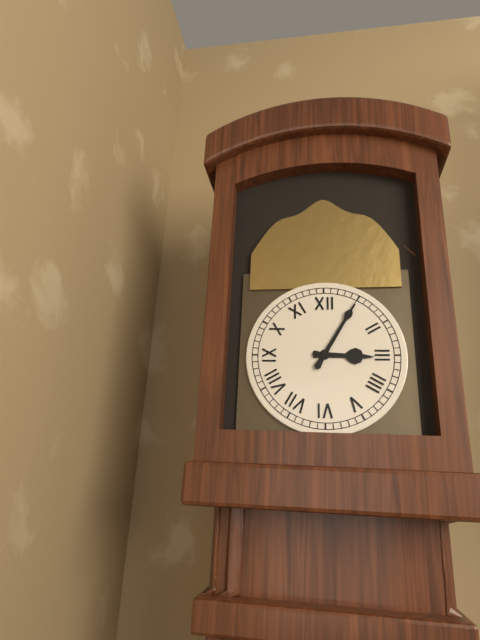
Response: 3:05
